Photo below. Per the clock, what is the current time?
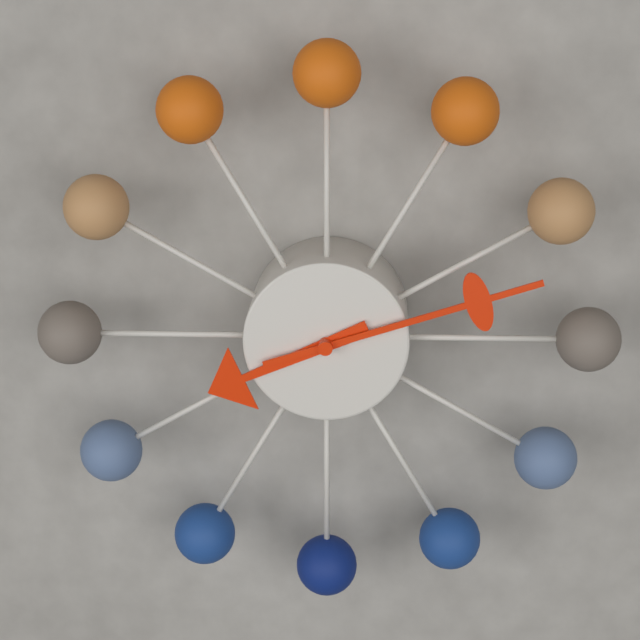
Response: 8:12
